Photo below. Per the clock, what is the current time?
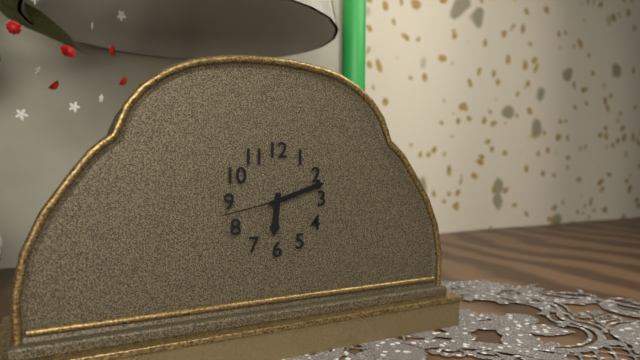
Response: 6:12:43
